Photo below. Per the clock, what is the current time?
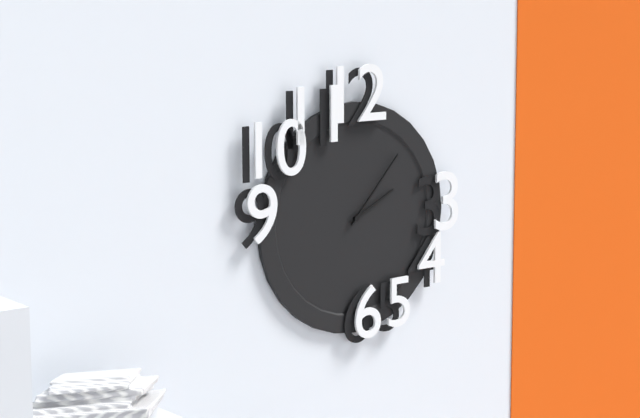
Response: 2:07
